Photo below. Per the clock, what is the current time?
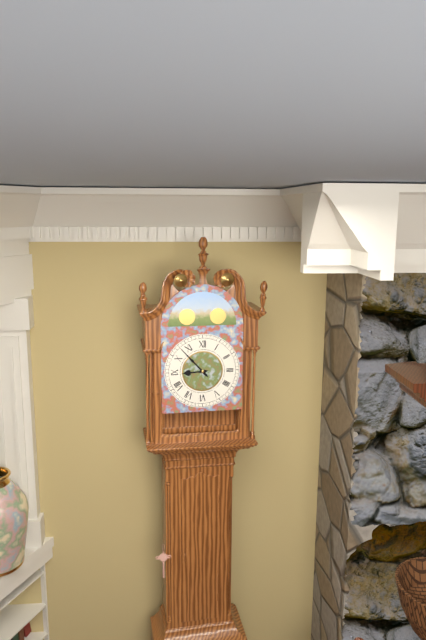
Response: 8:53
